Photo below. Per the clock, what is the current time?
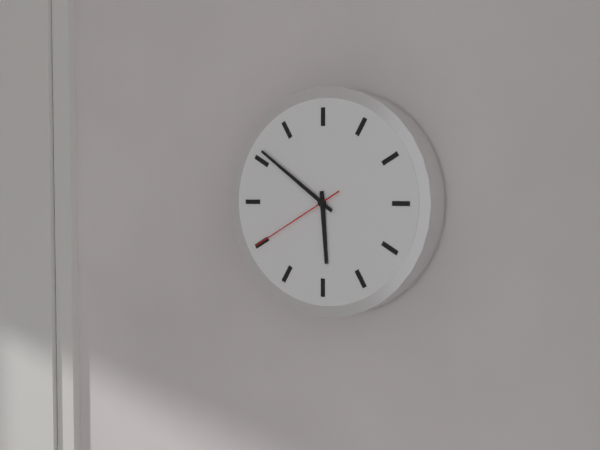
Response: 5:51:40
